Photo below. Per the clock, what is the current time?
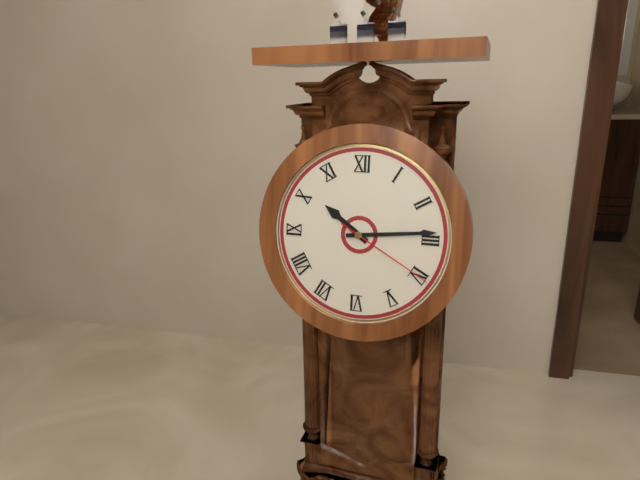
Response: 10:14:20
